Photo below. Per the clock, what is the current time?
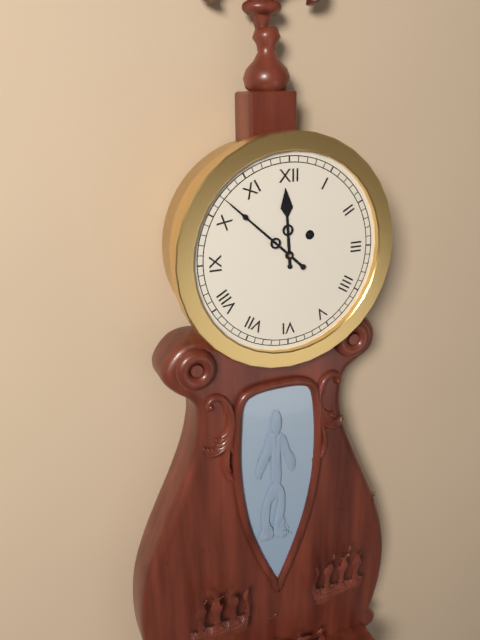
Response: 11:52
